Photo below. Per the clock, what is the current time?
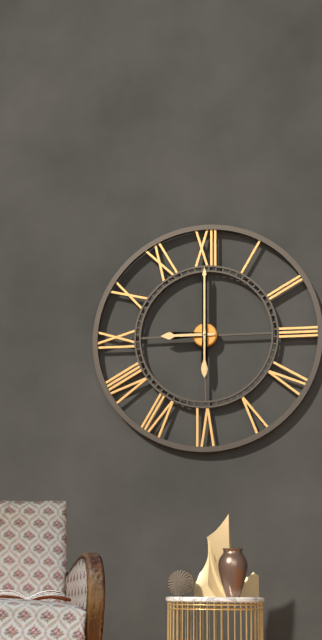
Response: 9:00
